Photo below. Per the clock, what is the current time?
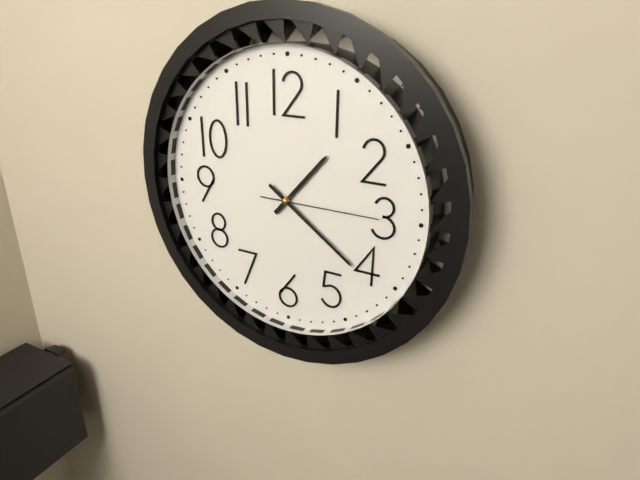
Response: 1:21:15
